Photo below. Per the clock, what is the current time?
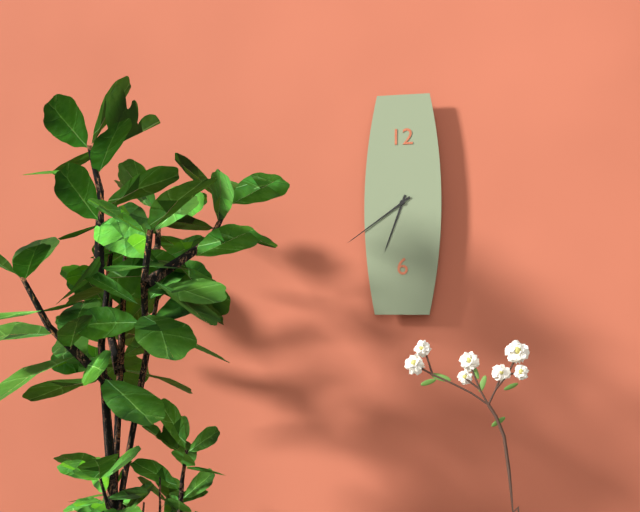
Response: 6:39
